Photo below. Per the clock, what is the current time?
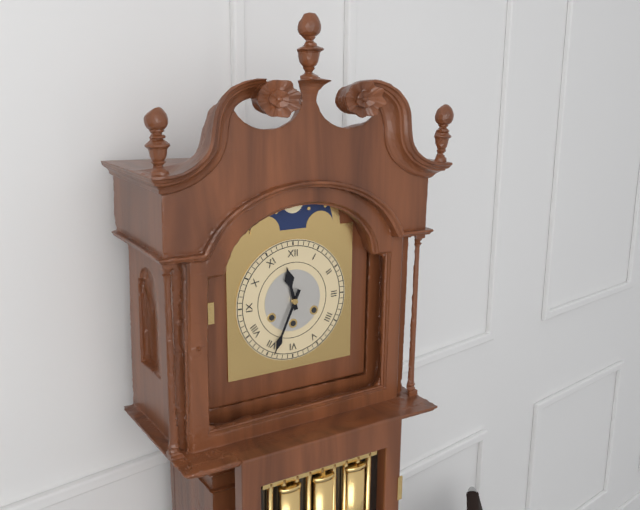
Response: 11:34
